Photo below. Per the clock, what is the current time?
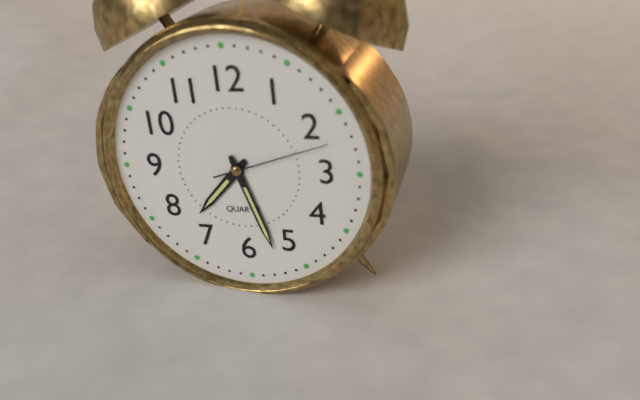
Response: 7:27:12
